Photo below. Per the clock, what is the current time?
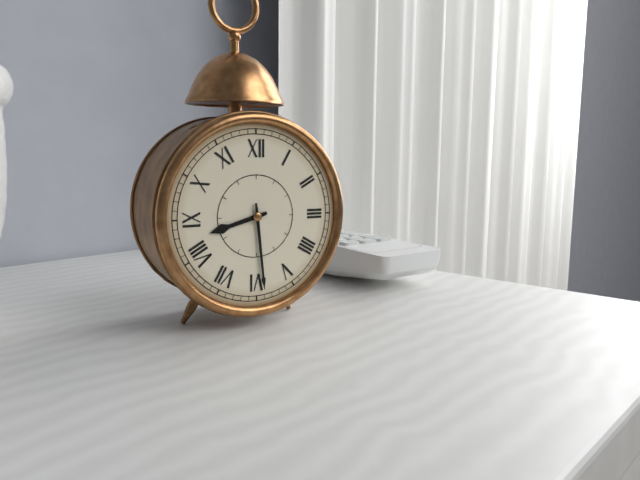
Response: 8:29
